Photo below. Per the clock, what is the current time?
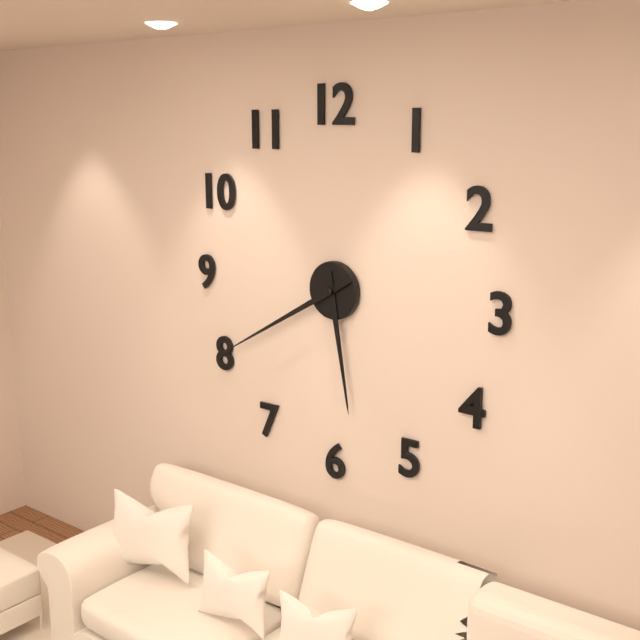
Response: 5:40
